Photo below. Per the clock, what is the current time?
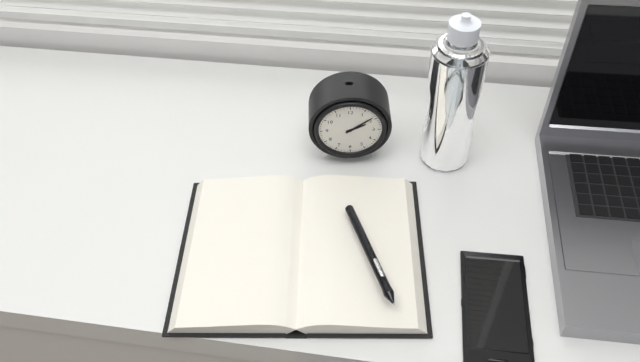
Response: 2:09
